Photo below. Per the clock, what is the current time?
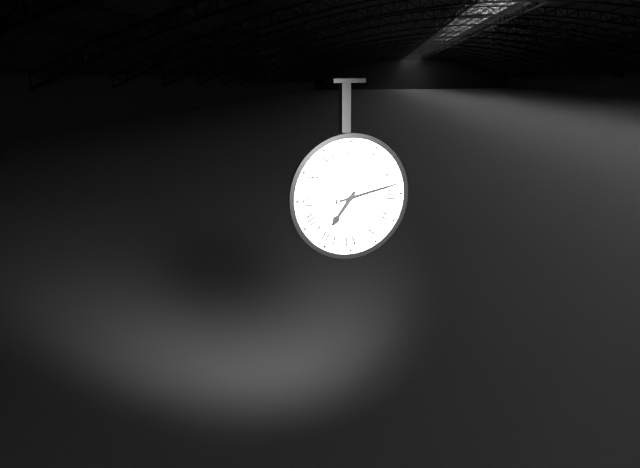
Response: 7:13
